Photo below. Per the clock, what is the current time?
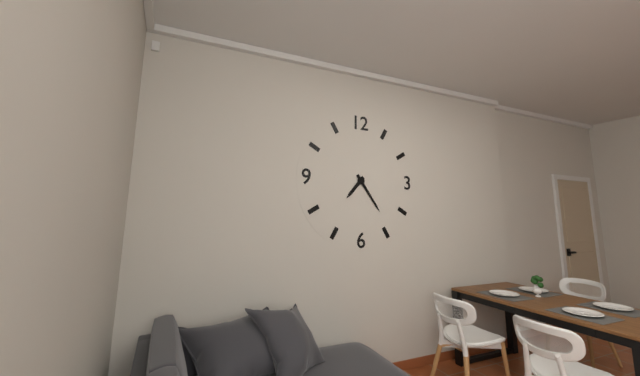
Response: 7:24
